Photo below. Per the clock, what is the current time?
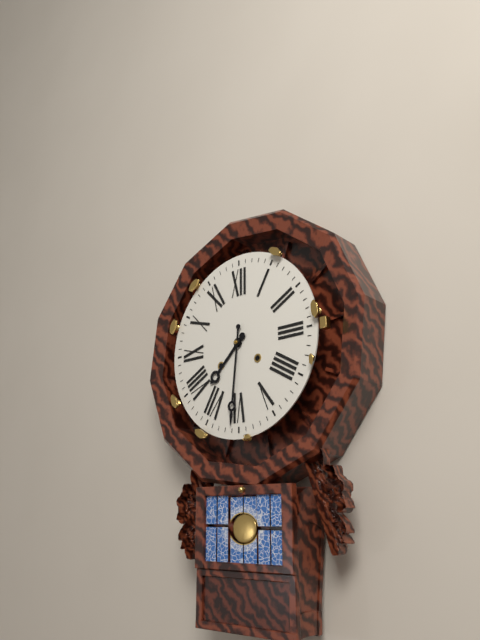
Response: 7:31
